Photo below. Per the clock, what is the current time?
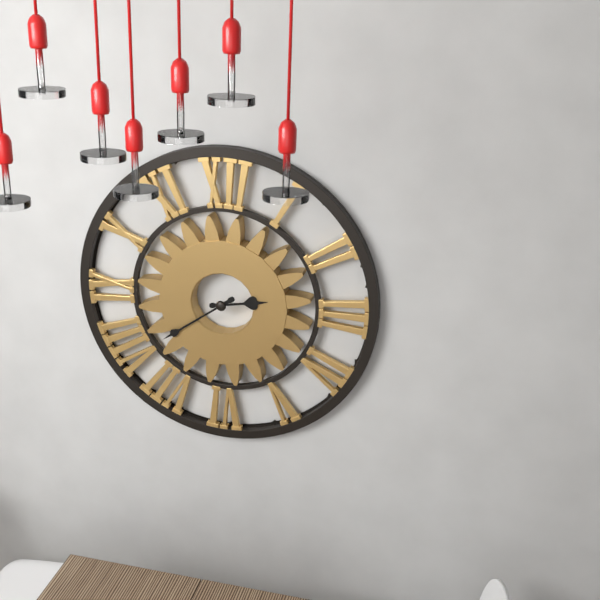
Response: 2:39
